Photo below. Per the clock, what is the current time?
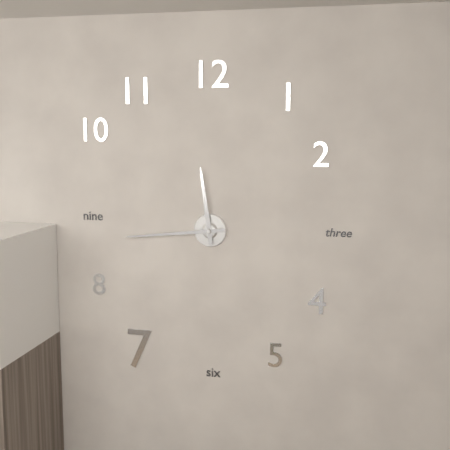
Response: 11:44
